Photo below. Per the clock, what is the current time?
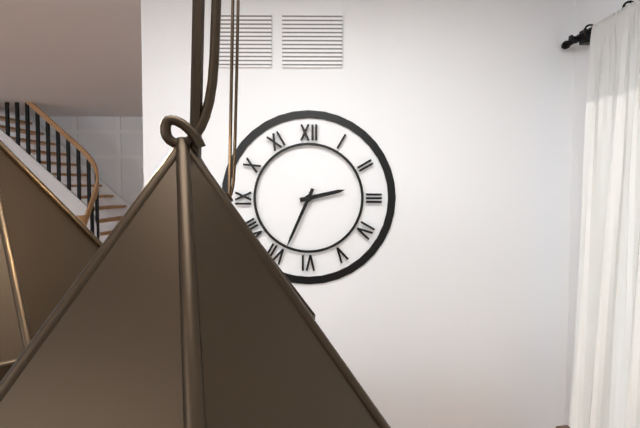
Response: 2:34
